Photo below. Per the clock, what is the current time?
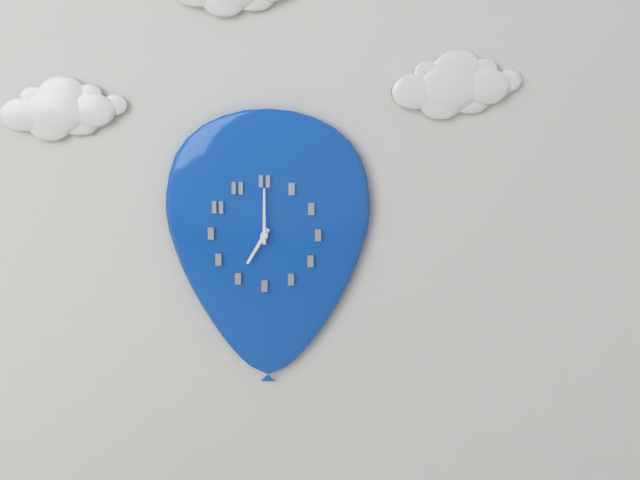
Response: 7:00
